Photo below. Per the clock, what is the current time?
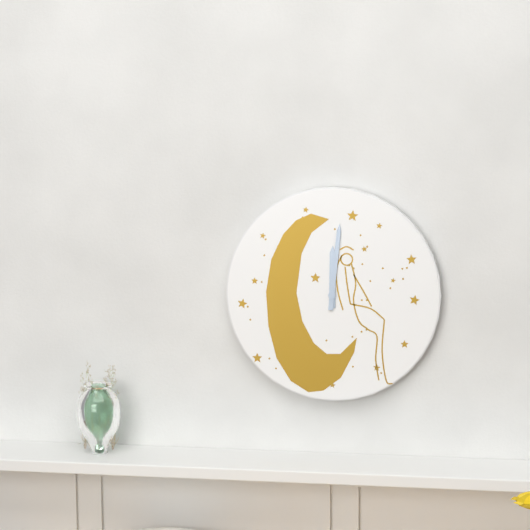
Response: 12:01
